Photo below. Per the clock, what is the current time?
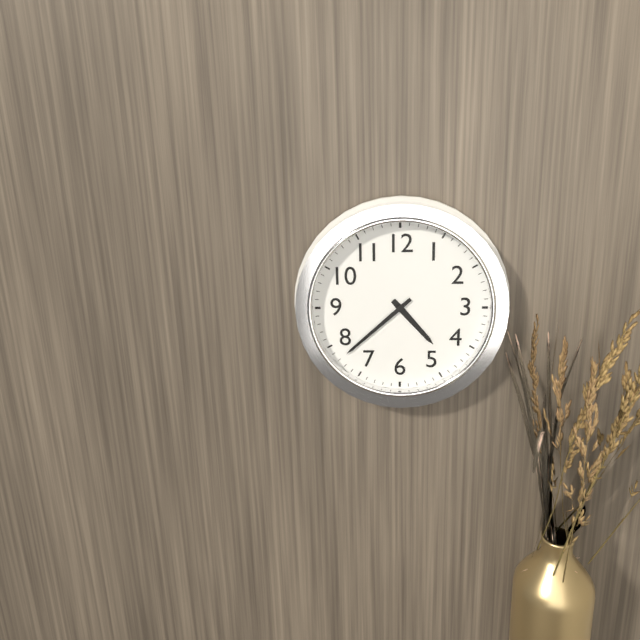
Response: 4:38
